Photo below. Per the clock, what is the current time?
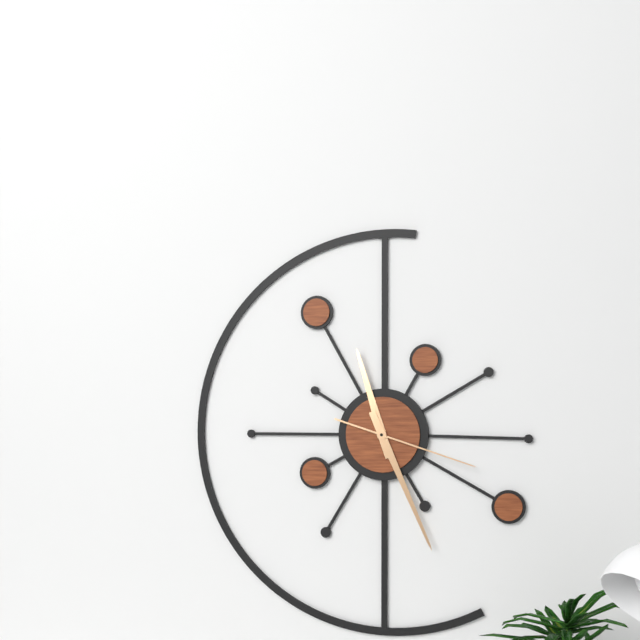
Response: 11:26:18
